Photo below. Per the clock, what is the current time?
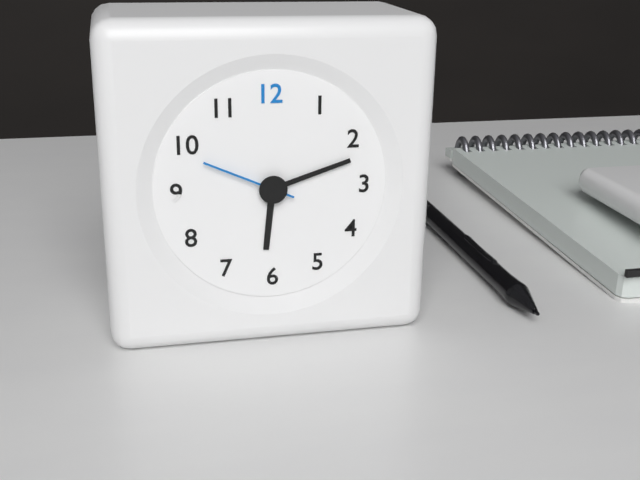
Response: 6:12:49
